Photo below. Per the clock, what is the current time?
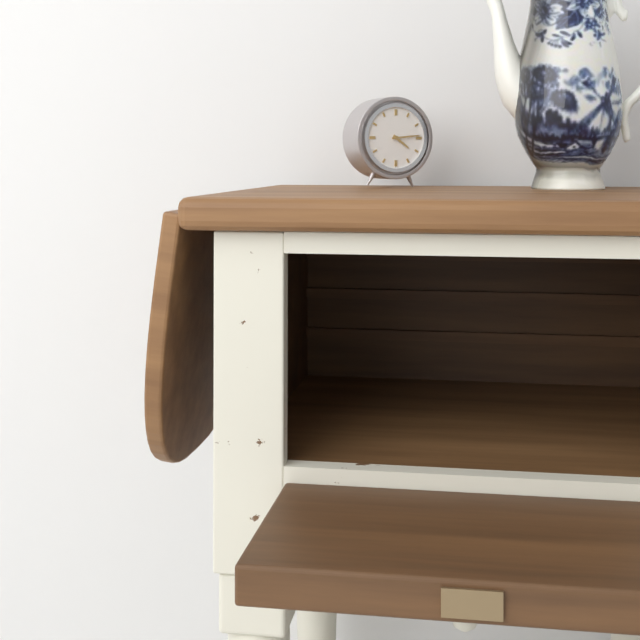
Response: 4:14
